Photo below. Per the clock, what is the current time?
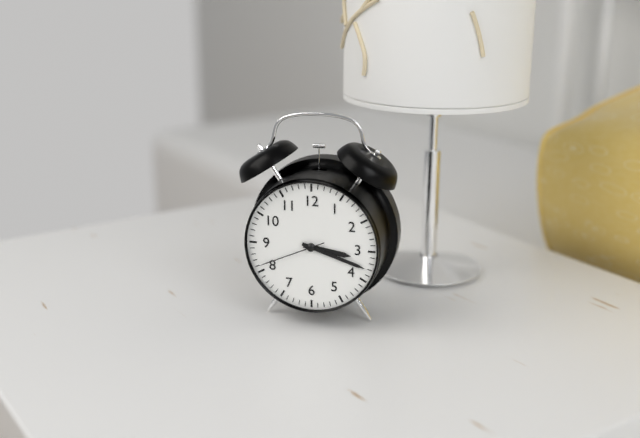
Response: 3:18:41
